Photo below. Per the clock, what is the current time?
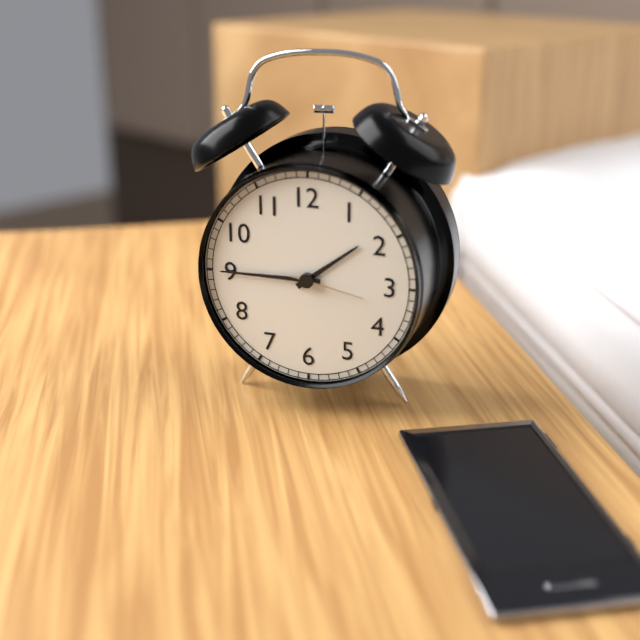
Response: 1:45:17
